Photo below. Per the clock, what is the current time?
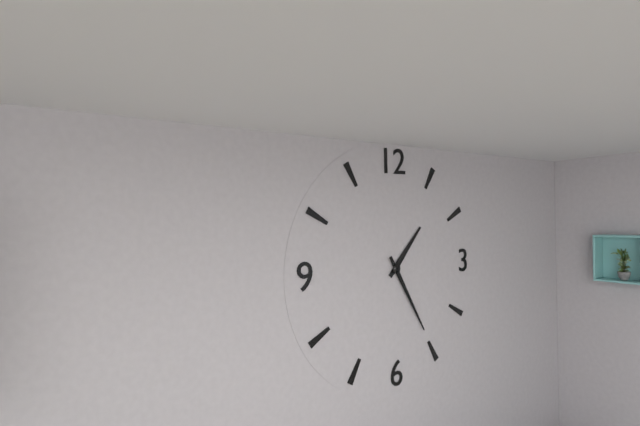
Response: 1:25
